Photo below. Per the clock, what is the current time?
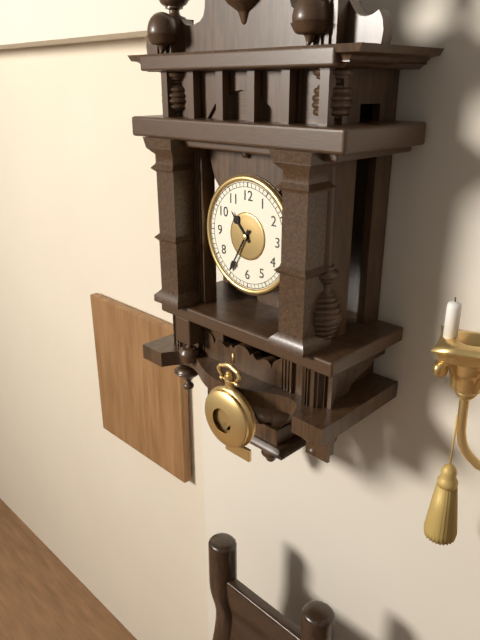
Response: 10:35
